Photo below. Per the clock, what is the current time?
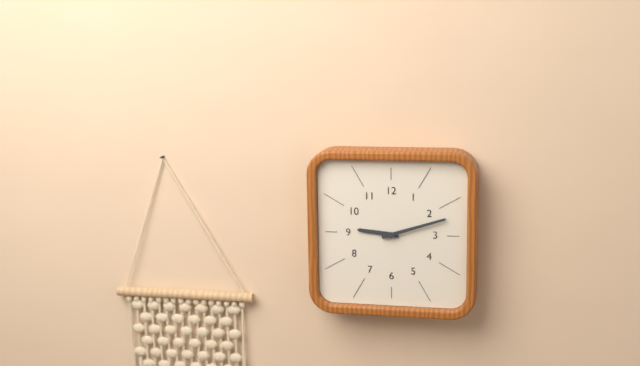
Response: 9:12
